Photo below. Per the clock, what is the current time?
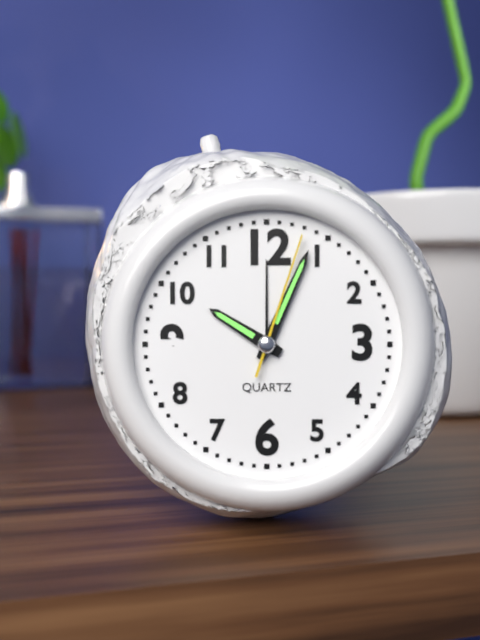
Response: 10:04:03
